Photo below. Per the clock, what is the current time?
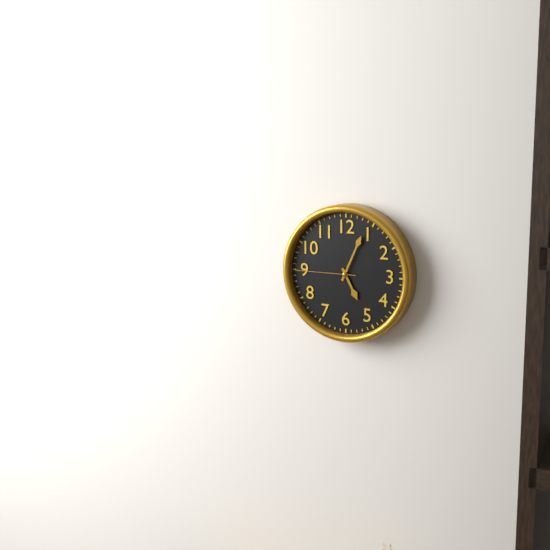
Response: 5:04:45
